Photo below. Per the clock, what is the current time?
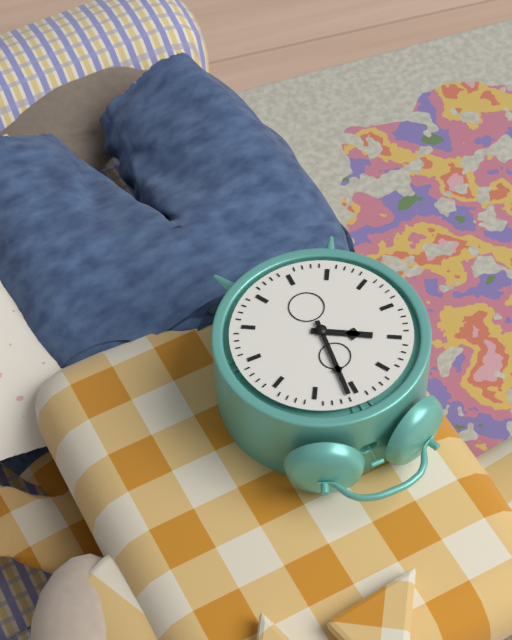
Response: 10:01
